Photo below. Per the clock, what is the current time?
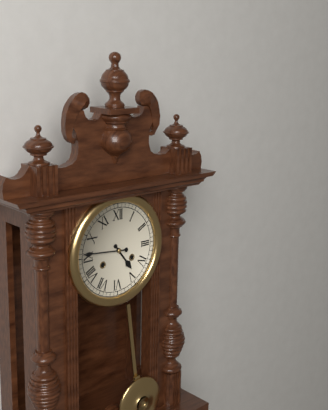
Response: 4:46
